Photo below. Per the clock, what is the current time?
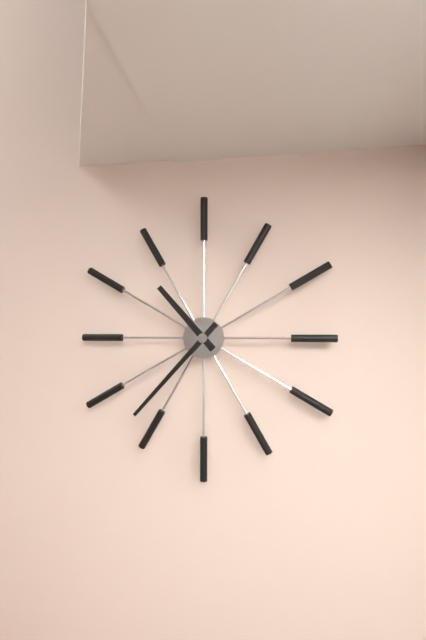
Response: 10:37
